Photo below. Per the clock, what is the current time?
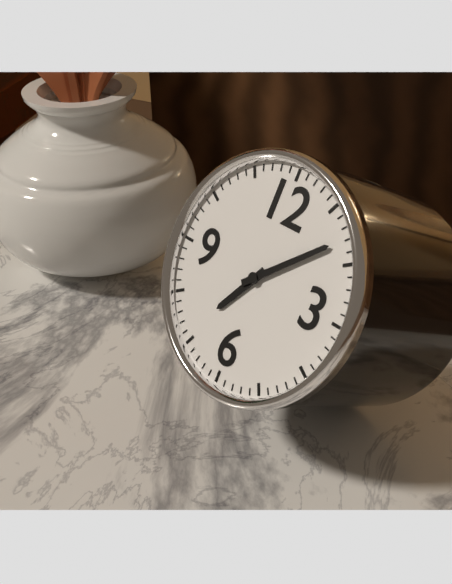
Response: 7:08
